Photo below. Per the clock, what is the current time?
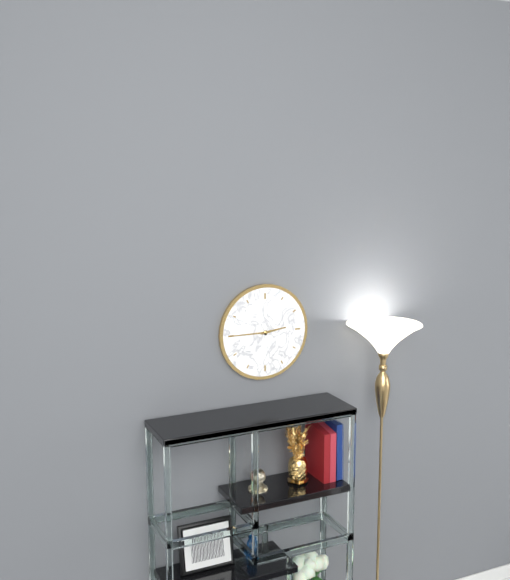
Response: 2:45
